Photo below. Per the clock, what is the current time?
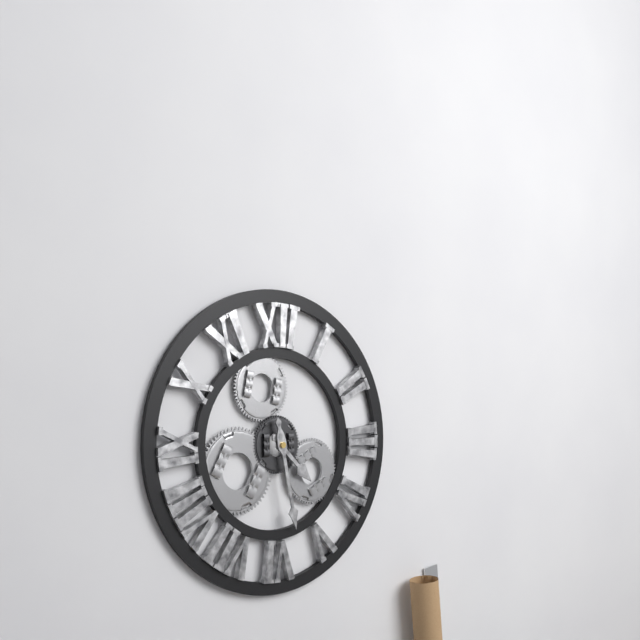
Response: 4:28
